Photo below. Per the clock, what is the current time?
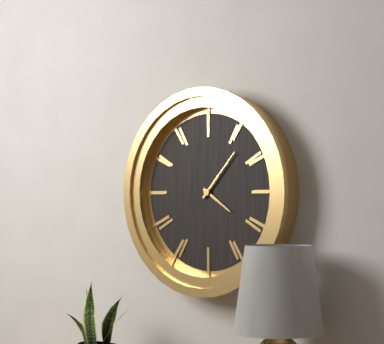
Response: 4:07
